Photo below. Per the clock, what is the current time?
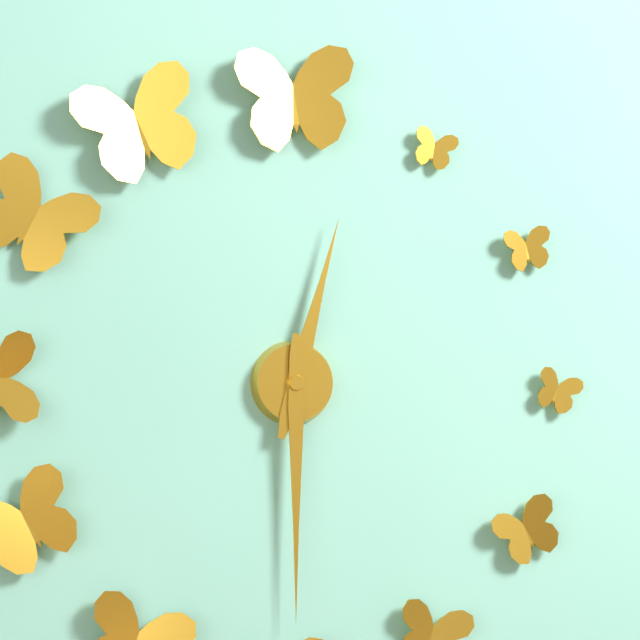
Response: 12:30
